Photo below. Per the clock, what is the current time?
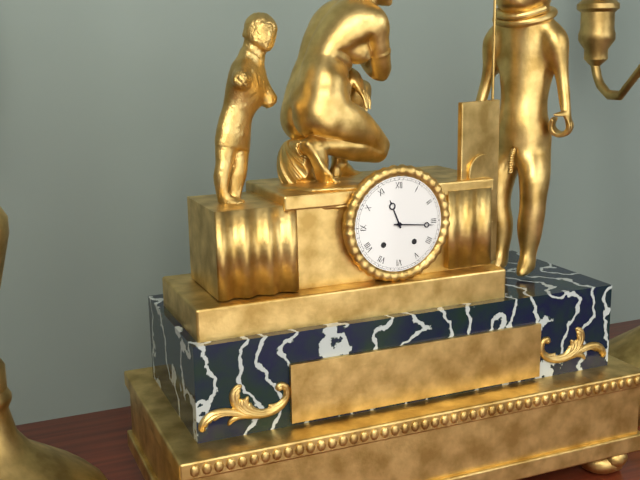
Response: 11:16
